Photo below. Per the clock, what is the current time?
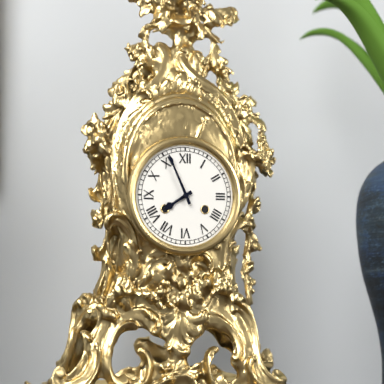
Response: 7:56
